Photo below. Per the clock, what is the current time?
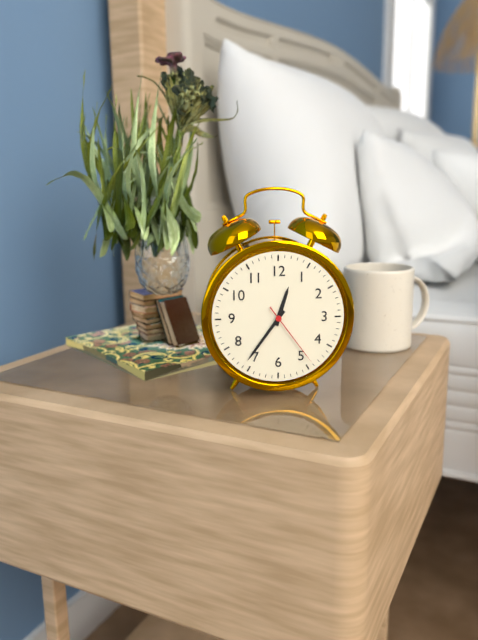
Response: 12:36:24
